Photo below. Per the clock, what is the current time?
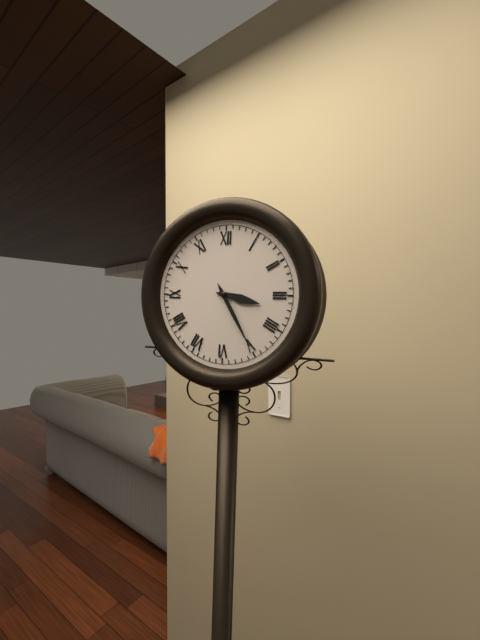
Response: 3:25
